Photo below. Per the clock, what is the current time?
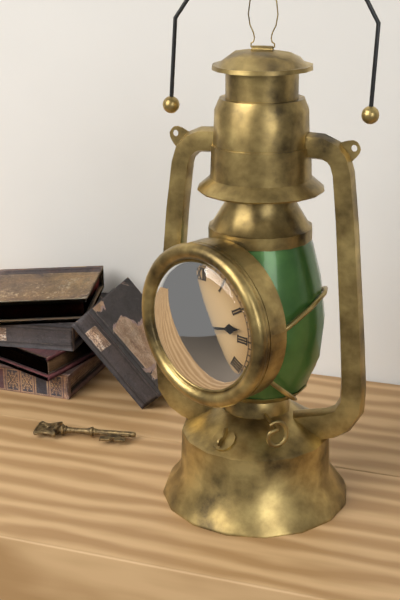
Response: 8:13
